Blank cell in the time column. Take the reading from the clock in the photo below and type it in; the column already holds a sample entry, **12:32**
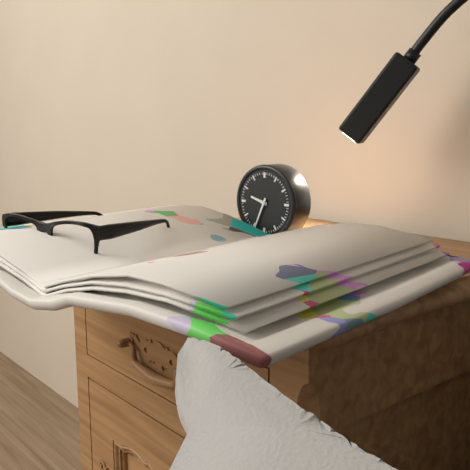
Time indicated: **9:34**
